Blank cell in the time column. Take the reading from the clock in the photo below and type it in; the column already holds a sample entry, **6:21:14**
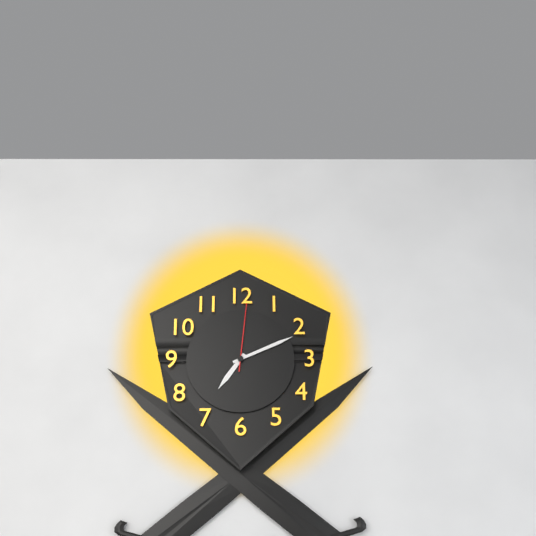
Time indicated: **7:11:01**
